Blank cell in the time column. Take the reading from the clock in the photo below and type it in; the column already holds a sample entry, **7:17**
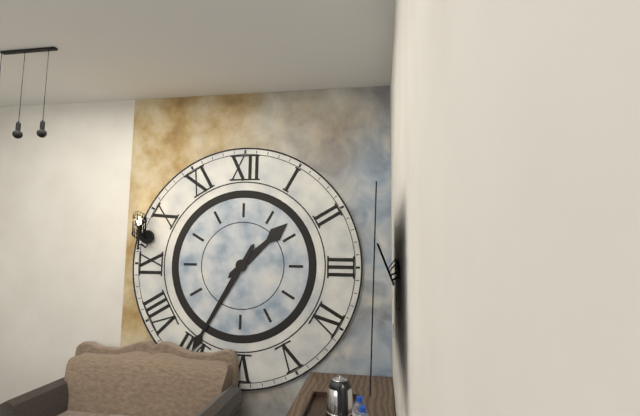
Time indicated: **1:35**
